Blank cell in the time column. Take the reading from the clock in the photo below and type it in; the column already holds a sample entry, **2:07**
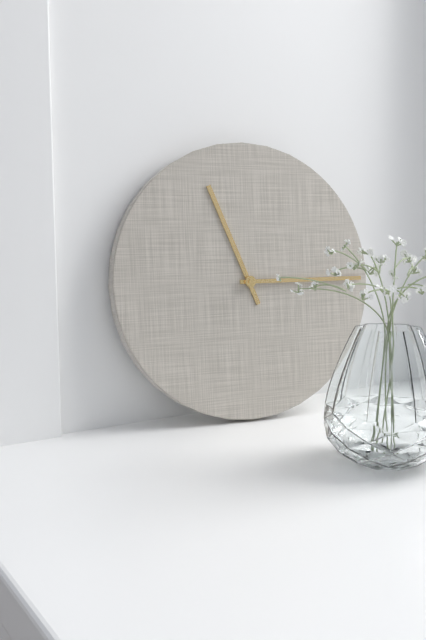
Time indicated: **11:15**
